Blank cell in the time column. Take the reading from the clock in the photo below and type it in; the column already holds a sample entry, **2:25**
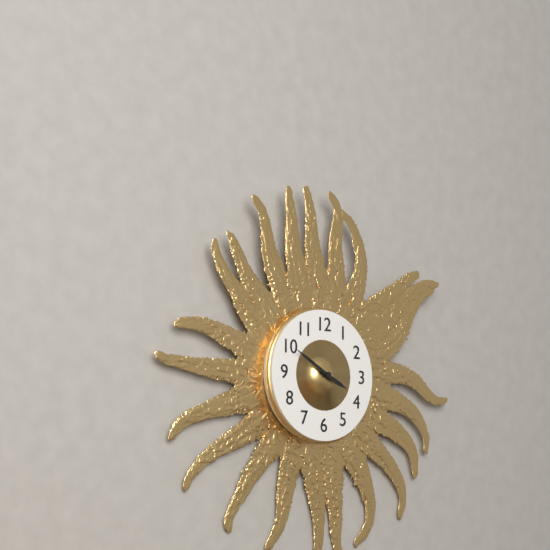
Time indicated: **3:50**
